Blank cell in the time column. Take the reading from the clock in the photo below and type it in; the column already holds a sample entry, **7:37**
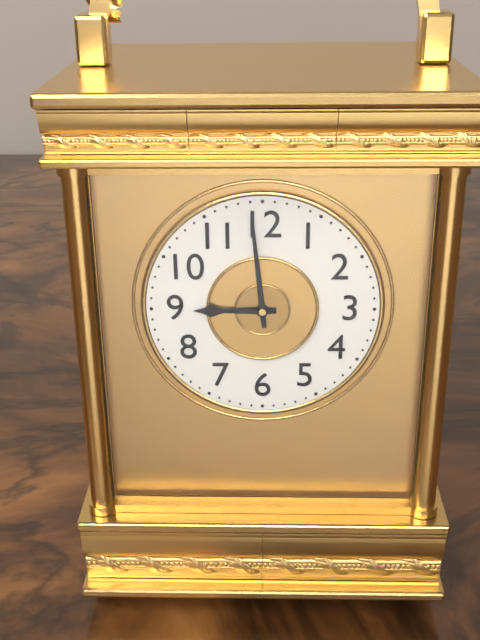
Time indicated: **8:59**
